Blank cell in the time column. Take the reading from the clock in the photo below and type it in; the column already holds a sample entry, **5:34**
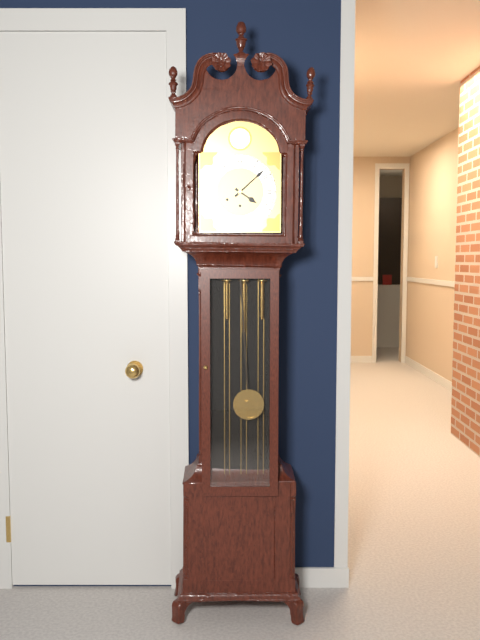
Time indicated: **4:08**
